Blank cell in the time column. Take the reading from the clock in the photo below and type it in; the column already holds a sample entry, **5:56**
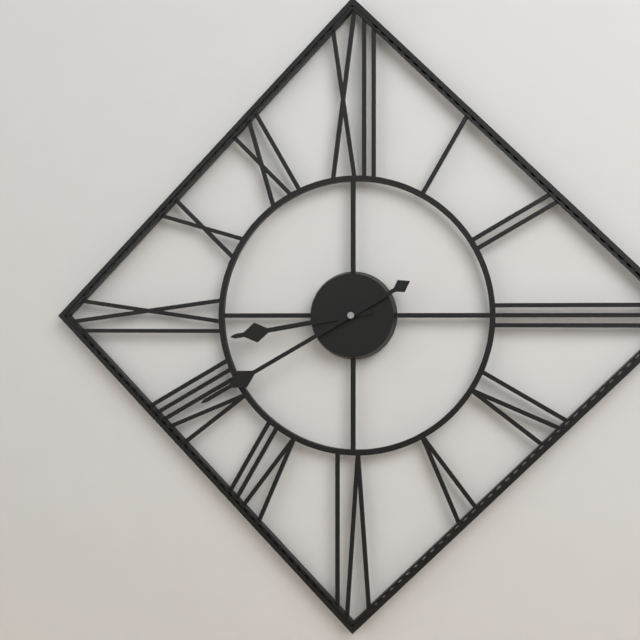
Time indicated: **8:40**
